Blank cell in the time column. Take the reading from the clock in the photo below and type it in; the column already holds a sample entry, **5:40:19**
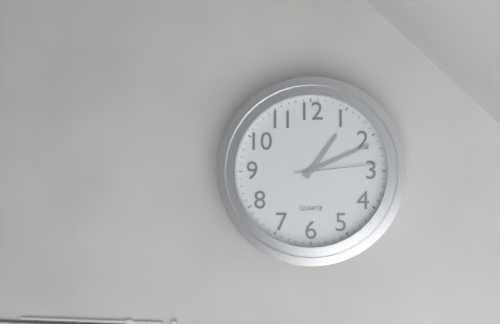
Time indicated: **1:11:14**
